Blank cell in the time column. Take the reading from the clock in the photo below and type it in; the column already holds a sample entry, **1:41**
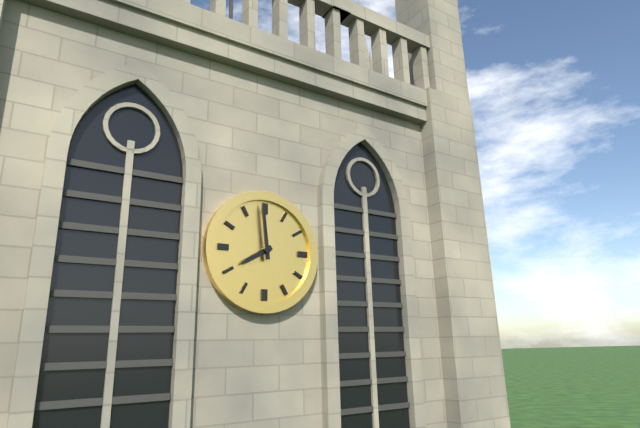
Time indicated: **7:59**
